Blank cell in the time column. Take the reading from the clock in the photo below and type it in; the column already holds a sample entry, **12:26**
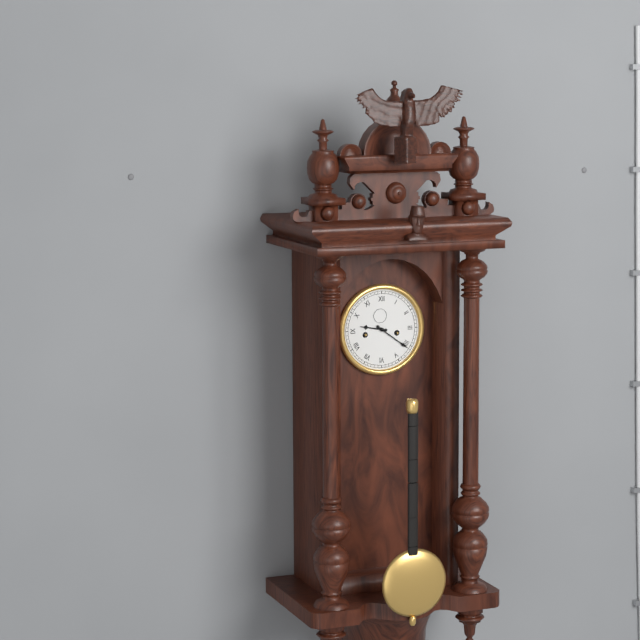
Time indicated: **9:21**
